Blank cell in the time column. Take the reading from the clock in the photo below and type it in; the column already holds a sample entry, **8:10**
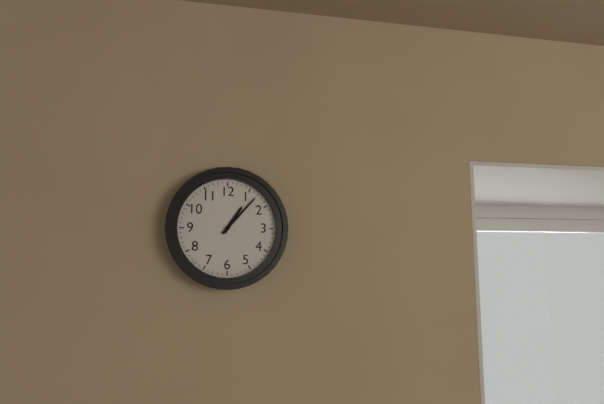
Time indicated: **1:07**
